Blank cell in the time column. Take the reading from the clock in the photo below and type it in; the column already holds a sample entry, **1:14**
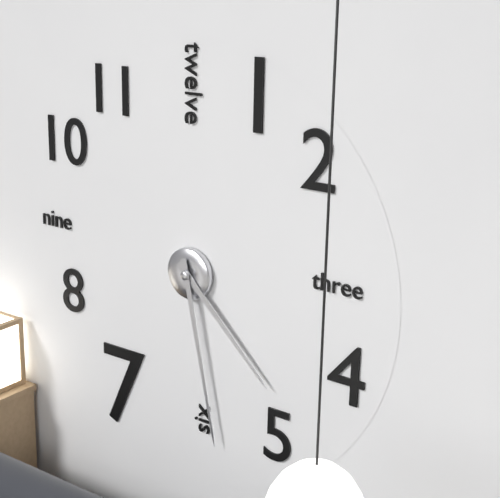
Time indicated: **4:28**
